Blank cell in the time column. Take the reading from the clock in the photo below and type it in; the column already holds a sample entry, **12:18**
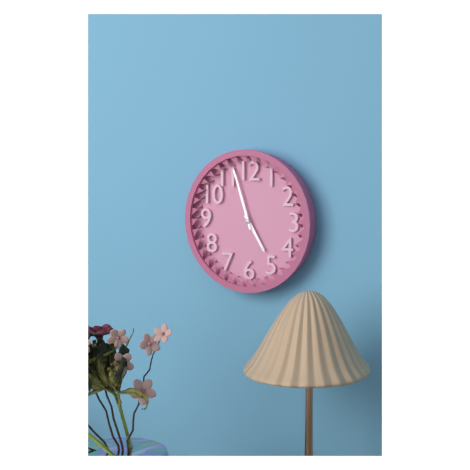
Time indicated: **4:57**
